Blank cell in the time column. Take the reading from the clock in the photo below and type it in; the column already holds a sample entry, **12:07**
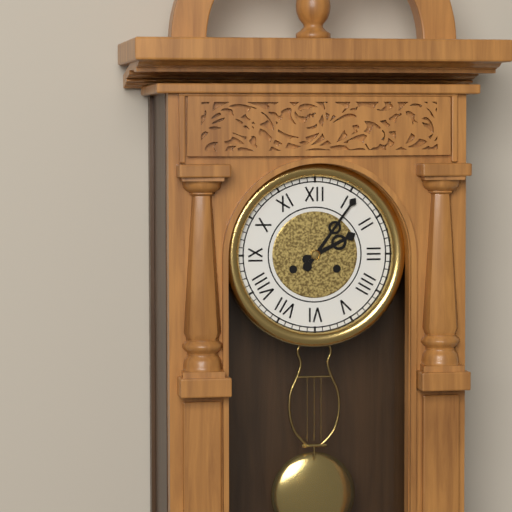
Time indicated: **2:06**
